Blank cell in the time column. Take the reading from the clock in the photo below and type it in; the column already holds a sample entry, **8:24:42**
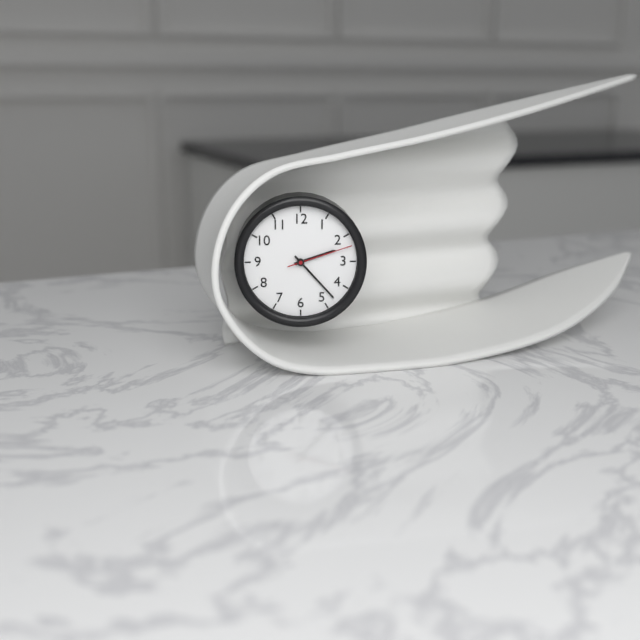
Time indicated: **2:23:12**
